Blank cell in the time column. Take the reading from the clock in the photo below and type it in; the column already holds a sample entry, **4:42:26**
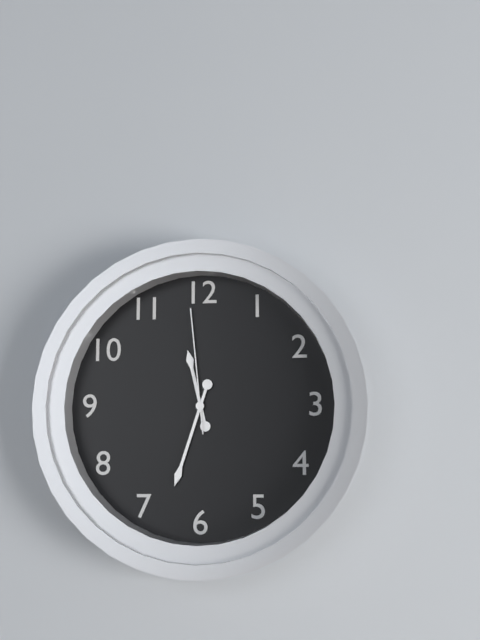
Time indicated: **11:33:59**
